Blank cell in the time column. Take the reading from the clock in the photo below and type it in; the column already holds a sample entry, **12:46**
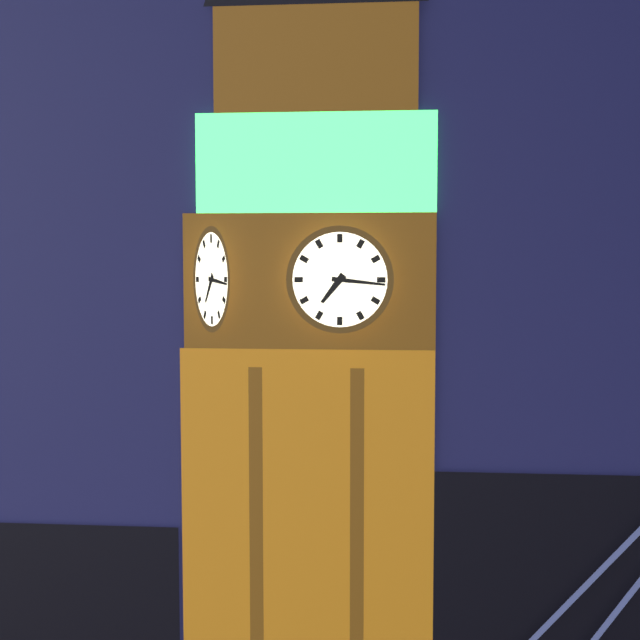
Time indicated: **7:16**
